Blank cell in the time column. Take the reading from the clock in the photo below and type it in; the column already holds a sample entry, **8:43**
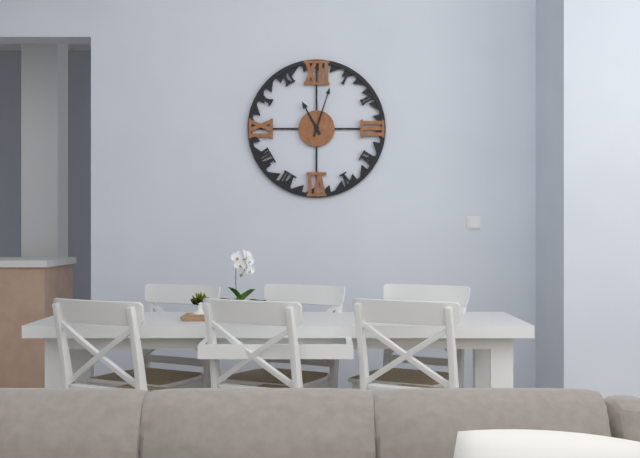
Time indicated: **11:03**
